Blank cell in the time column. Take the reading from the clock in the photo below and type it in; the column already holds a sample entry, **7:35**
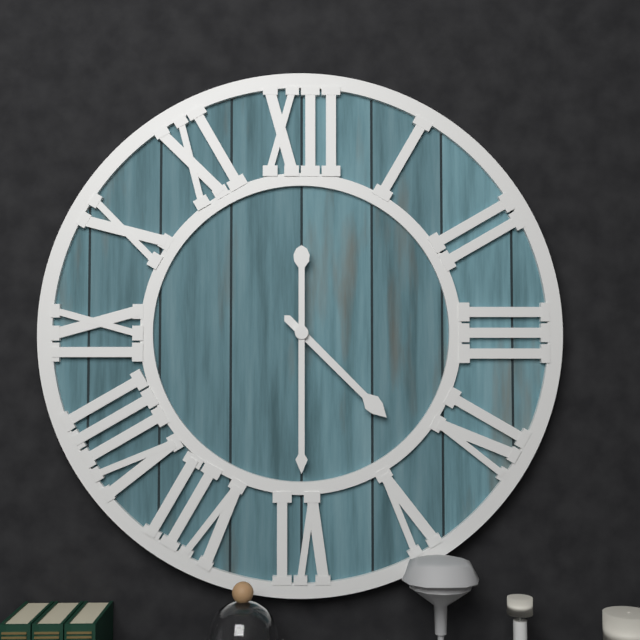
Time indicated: **4:30**
